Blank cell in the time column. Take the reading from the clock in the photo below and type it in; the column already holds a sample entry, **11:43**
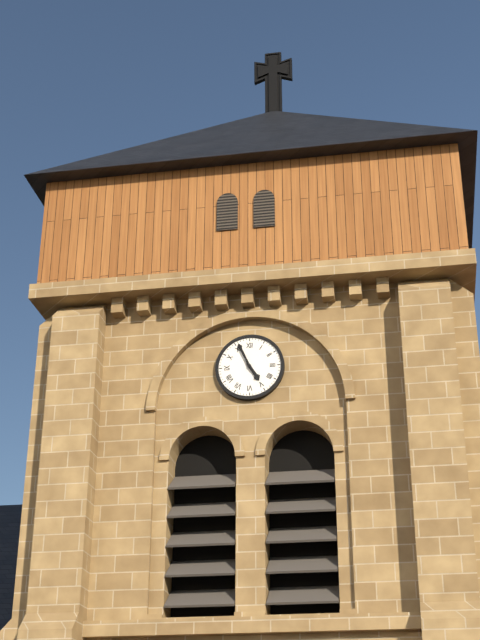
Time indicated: **4:56**
